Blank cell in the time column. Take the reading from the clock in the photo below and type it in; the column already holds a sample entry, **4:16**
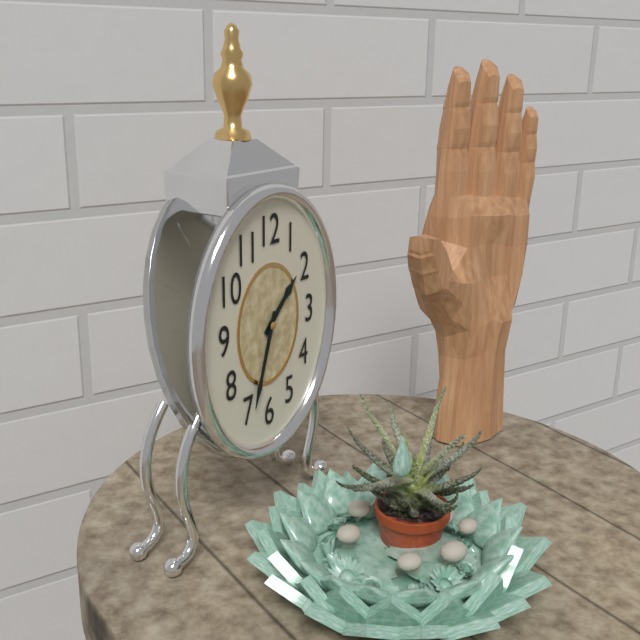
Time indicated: **1:33**
